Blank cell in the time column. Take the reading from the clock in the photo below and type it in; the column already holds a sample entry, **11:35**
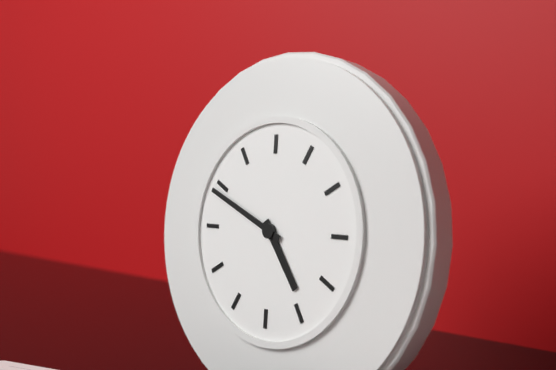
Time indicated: **4:49**
